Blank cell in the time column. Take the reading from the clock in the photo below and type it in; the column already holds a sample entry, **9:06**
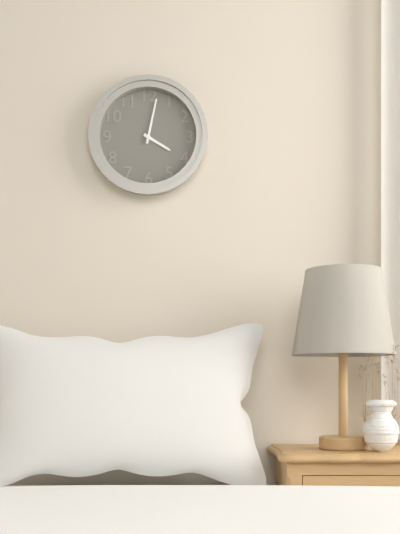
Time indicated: **4:02**
